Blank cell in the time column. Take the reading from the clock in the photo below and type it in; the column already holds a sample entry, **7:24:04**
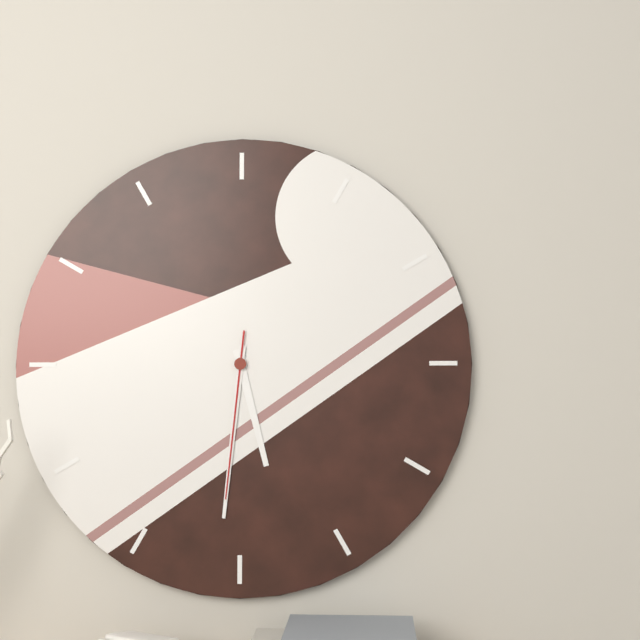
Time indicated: **5:31:31**
